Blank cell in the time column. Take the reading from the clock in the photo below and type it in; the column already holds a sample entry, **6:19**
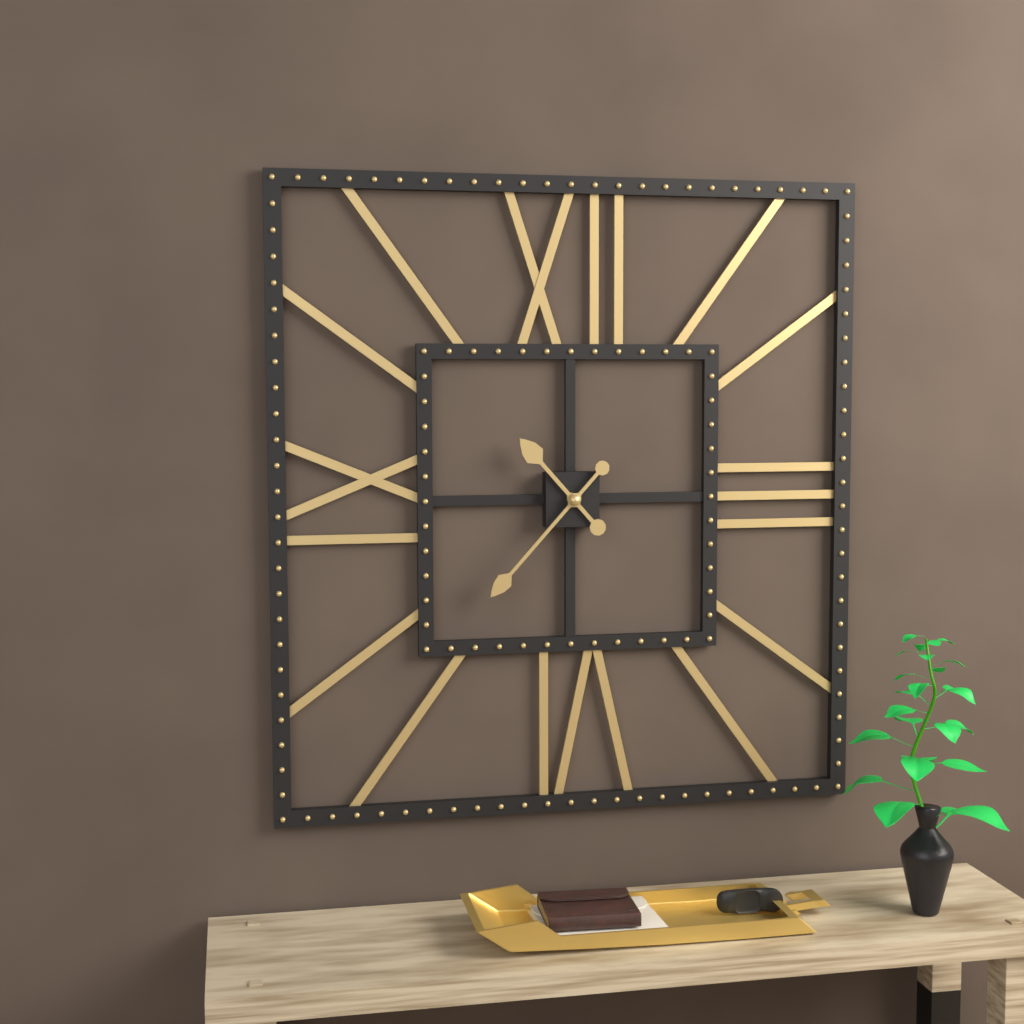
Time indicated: **10:37**
